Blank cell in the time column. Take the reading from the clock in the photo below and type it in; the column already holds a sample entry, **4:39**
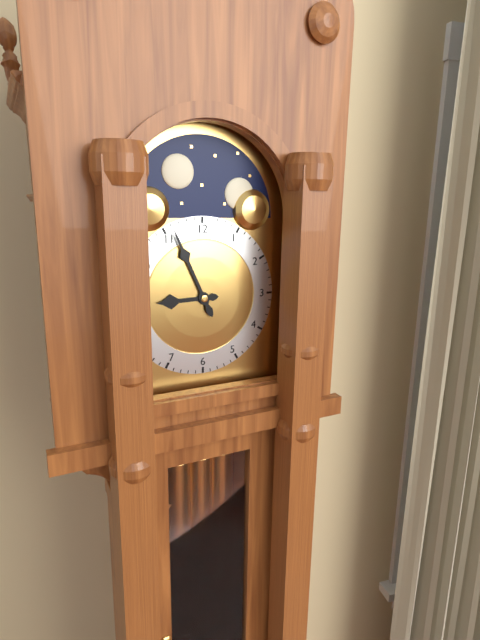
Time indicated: **8:56**
